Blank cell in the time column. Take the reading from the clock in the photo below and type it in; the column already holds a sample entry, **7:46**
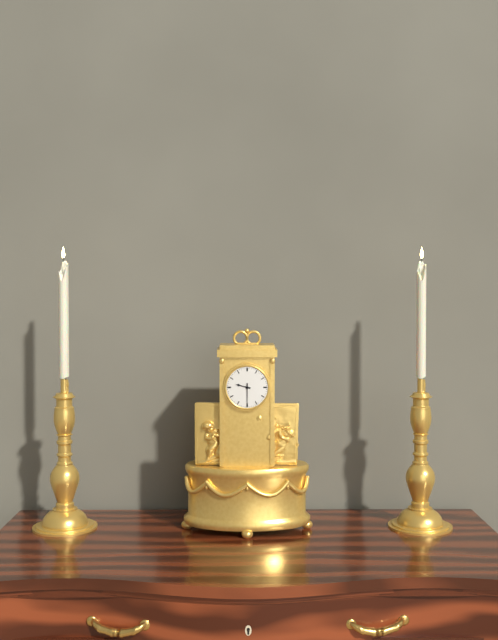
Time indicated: **9:30**
